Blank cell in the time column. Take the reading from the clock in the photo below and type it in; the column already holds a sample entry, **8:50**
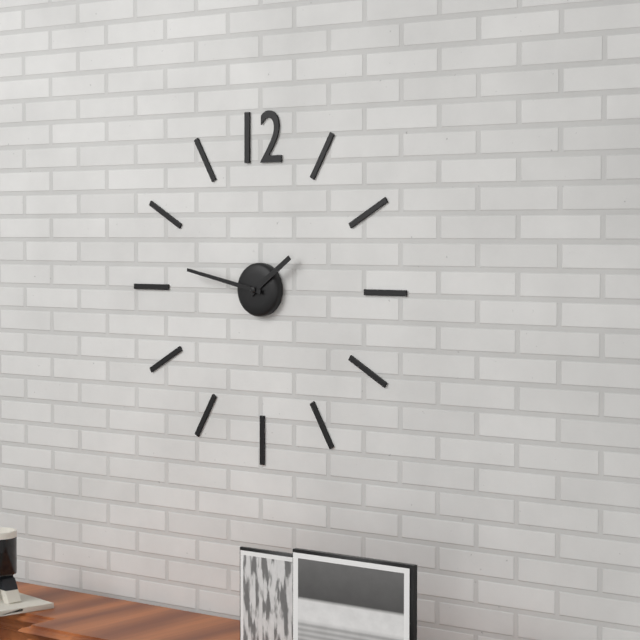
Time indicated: **1:47**
